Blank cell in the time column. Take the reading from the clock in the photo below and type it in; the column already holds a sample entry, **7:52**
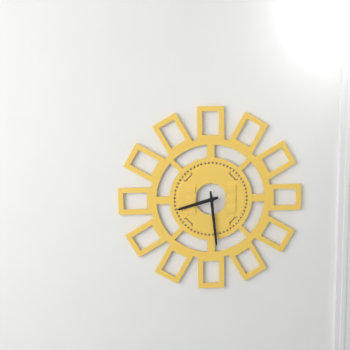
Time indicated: **8:29**
